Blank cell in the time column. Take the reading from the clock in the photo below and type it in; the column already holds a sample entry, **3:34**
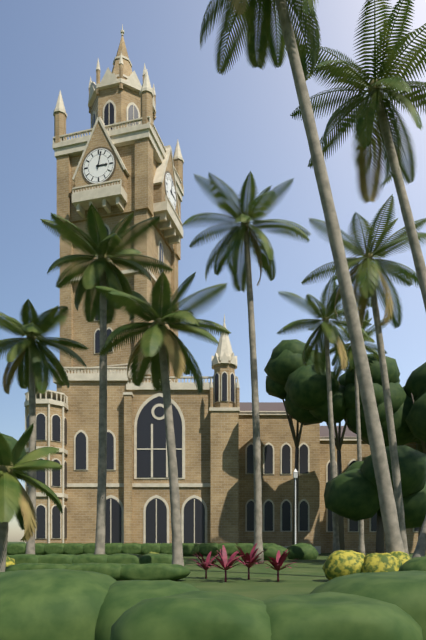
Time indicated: **3:02**
